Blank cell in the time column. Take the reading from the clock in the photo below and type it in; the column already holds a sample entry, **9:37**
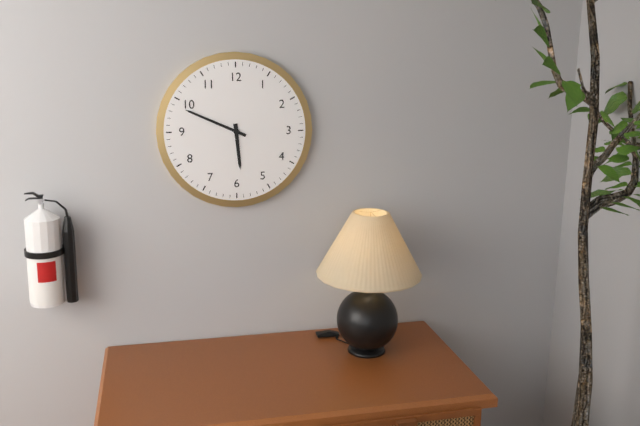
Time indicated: **5:49**
